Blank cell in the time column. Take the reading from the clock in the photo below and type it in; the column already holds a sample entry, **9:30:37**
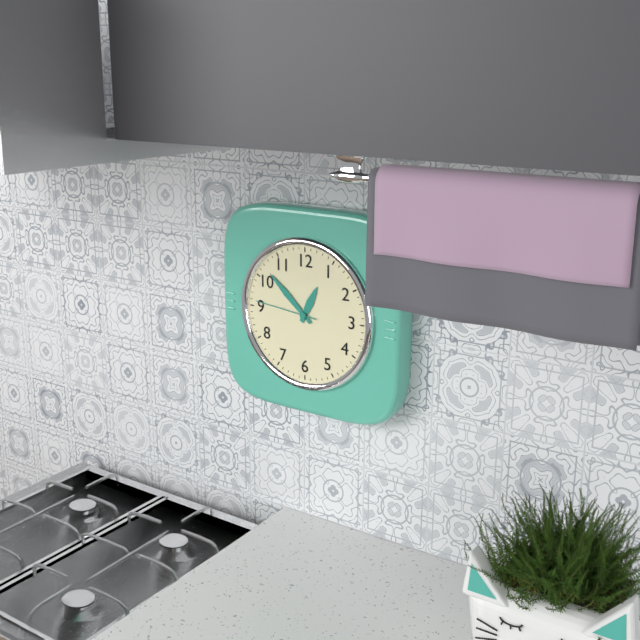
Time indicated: **12:52:46**
